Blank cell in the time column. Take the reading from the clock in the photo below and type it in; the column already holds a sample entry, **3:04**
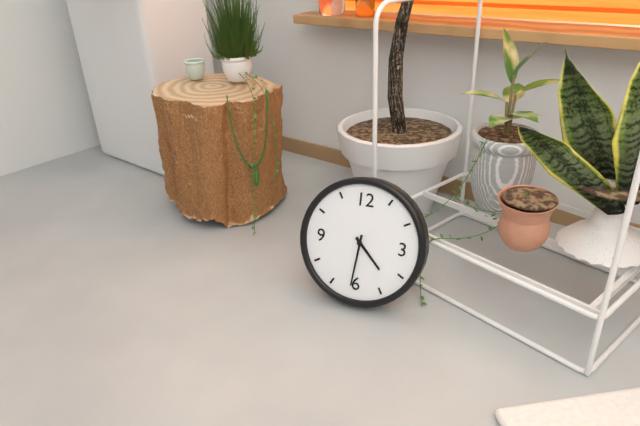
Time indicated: **4:31**
